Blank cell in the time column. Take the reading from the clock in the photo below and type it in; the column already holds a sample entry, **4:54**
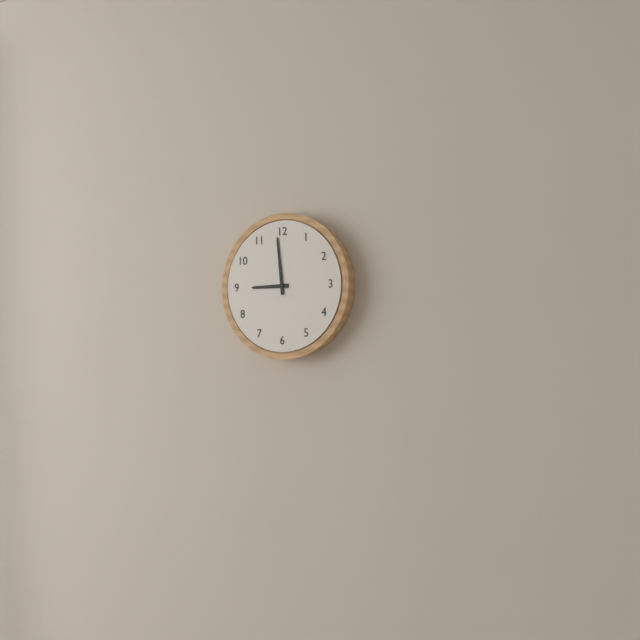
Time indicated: **8:59**
